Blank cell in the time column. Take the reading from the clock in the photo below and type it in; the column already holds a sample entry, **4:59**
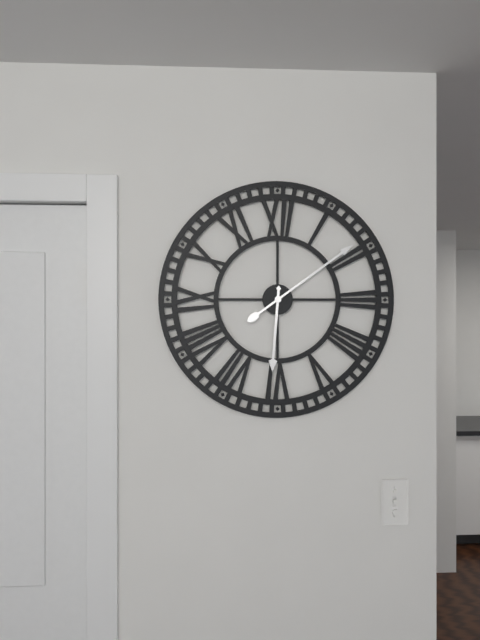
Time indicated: **6:09**
